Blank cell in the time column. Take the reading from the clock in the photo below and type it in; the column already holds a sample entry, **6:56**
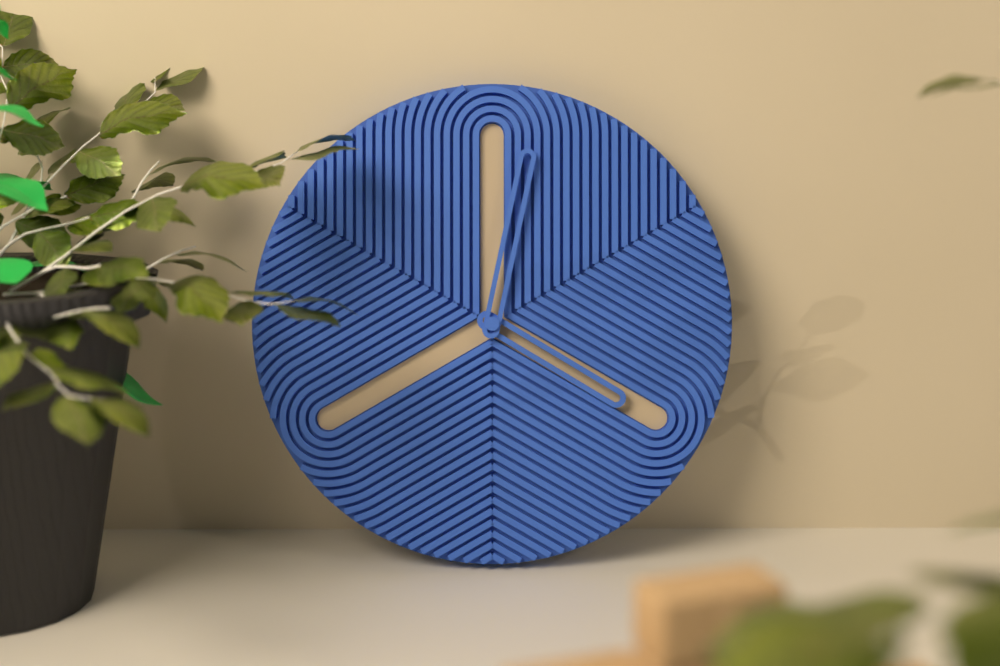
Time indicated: **4:02**
